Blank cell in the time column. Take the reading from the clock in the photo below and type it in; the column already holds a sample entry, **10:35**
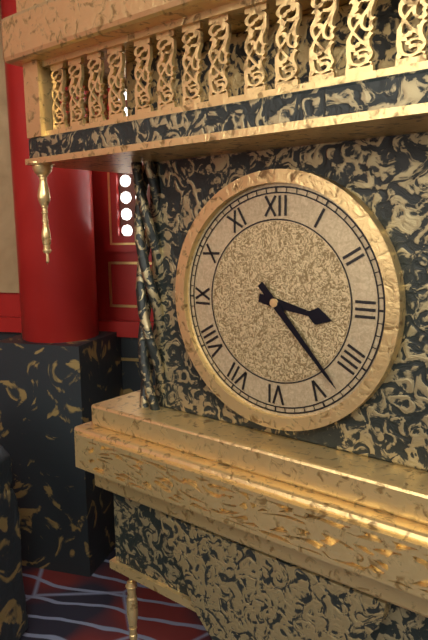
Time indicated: **3:23**
